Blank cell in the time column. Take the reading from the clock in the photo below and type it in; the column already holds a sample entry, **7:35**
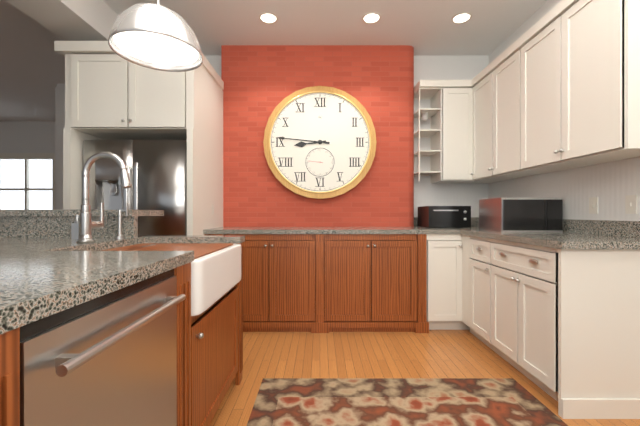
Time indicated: **8:46**
